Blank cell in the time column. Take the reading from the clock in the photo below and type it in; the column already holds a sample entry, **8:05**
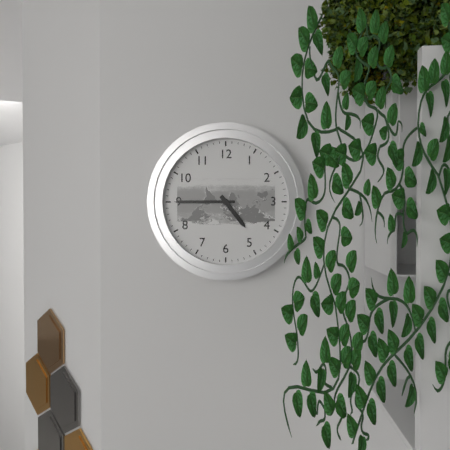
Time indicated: **4:45**
